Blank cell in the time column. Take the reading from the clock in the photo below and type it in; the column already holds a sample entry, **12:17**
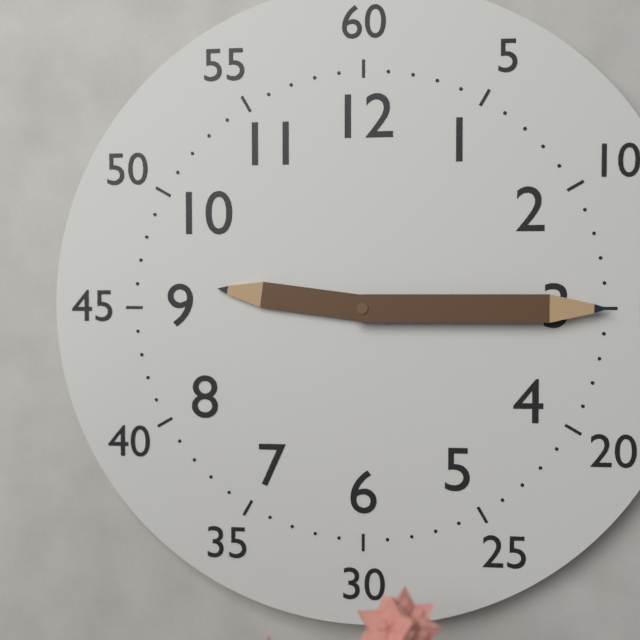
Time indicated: **9:15**
